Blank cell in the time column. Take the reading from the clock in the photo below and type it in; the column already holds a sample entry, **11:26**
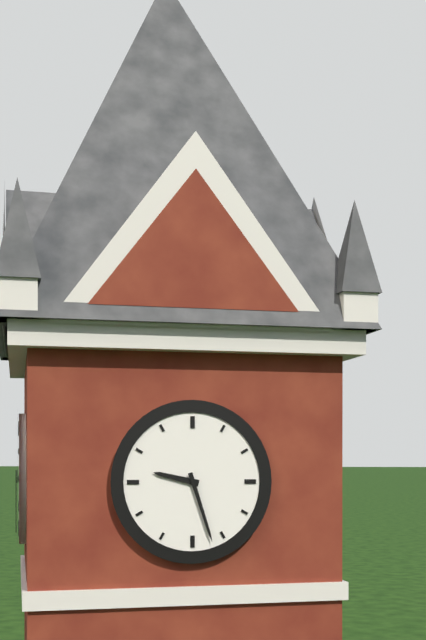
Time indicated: **9:27**
